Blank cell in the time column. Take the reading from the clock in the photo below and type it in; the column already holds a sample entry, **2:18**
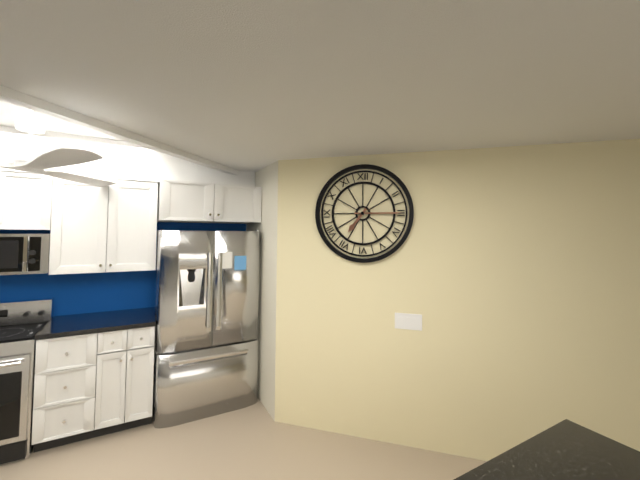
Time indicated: **7:15**
